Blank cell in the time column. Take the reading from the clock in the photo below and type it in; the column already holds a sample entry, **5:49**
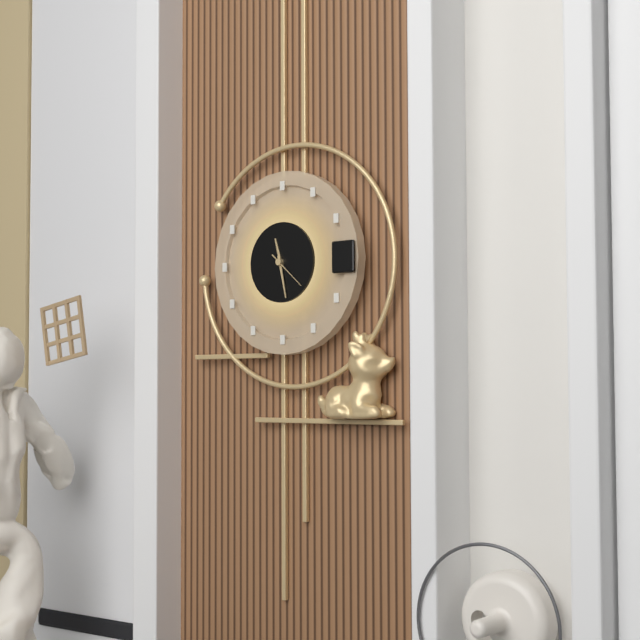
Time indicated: **11:28**
